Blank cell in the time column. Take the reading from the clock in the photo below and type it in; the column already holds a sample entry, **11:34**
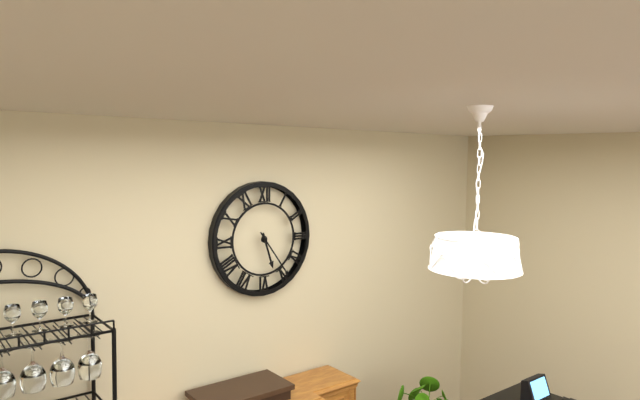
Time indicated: **5:24**
